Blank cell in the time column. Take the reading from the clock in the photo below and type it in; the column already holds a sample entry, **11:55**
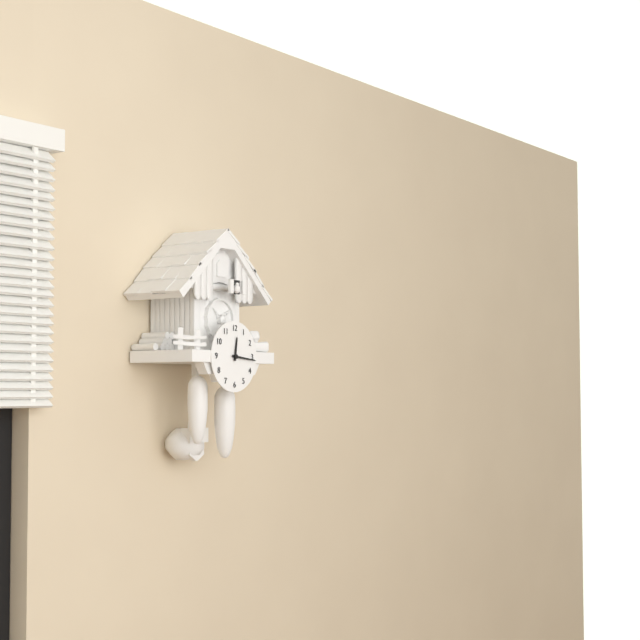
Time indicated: **12:16**
